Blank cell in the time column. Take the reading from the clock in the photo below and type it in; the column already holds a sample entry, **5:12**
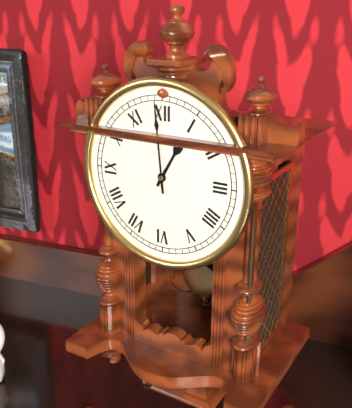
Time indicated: **12:59**
